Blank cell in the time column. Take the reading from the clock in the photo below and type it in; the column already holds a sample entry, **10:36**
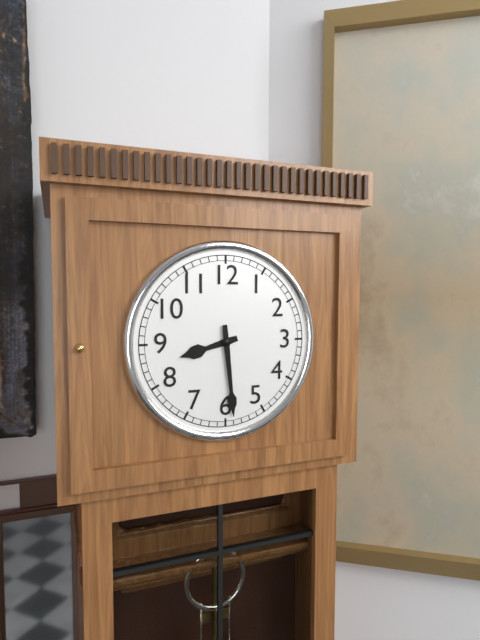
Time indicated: **8:29**
